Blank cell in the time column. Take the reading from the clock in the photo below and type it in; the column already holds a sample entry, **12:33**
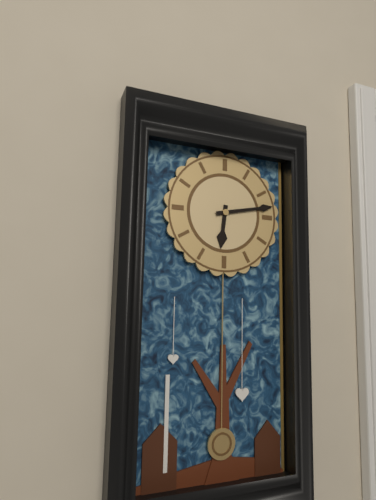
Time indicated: **6:13**
